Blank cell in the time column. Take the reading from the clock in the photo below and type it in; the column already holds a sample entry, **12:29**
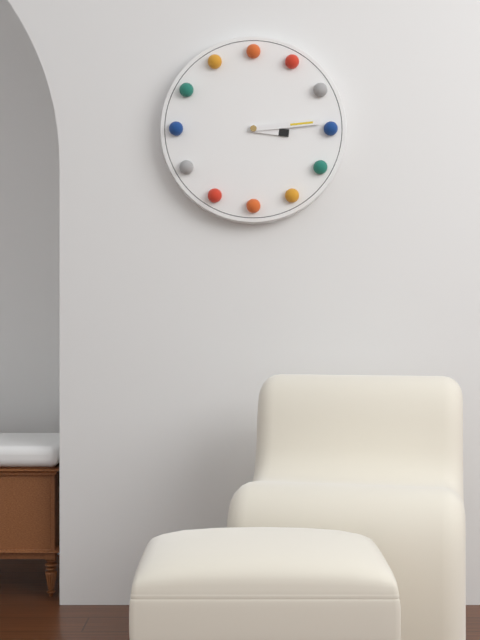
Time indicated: **3:14**
